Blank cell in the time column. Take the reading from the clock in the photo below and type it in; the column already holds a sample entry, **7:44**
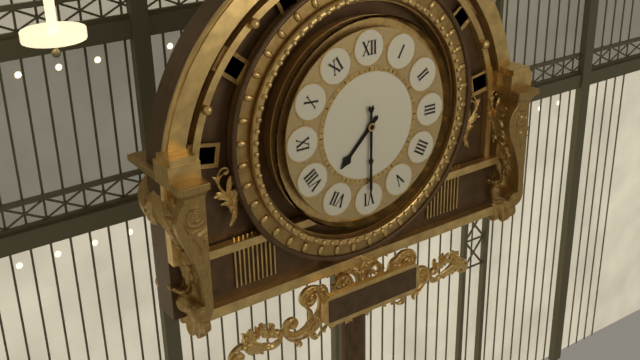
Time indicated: **7:30**
